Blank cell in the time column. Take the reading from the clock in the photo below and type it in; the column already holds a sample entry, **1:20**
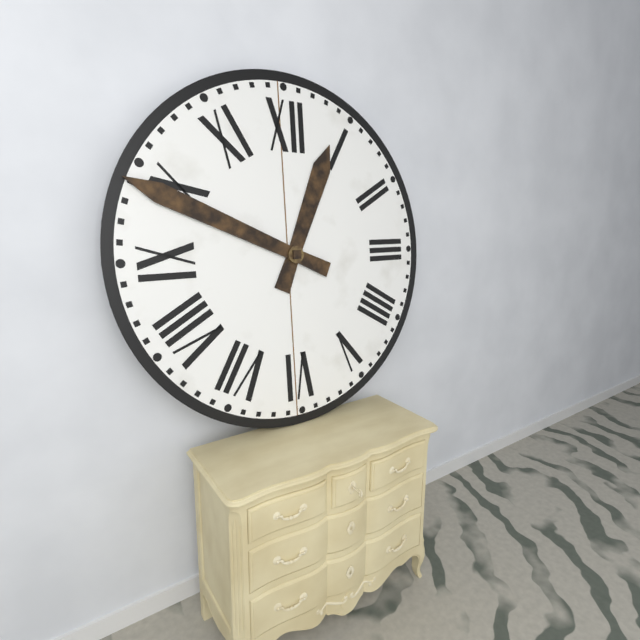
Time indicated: **12:49**
